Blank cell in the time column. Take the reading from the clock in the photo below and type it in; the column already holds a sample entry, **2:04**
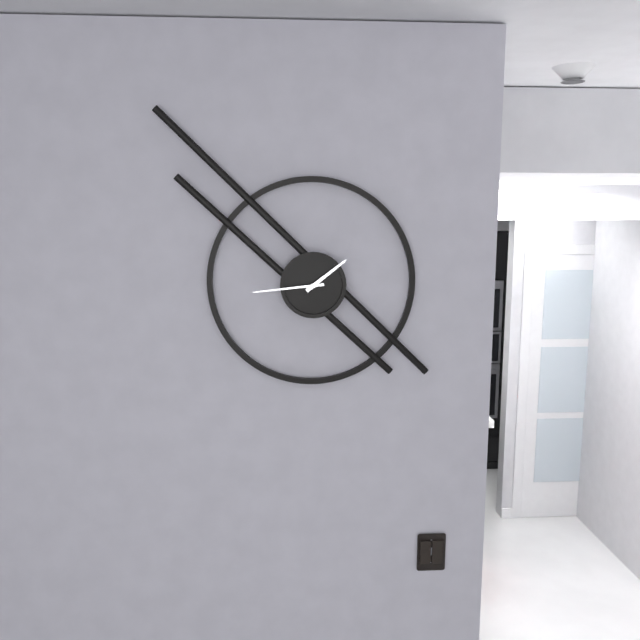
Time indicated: **1:44**
